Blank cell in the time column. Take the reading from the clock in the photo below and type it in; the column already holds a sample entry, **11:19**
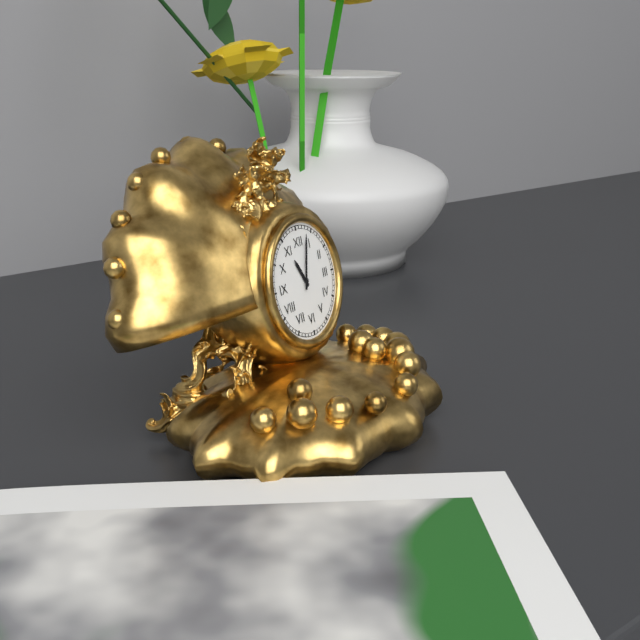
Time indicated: **11:03**
